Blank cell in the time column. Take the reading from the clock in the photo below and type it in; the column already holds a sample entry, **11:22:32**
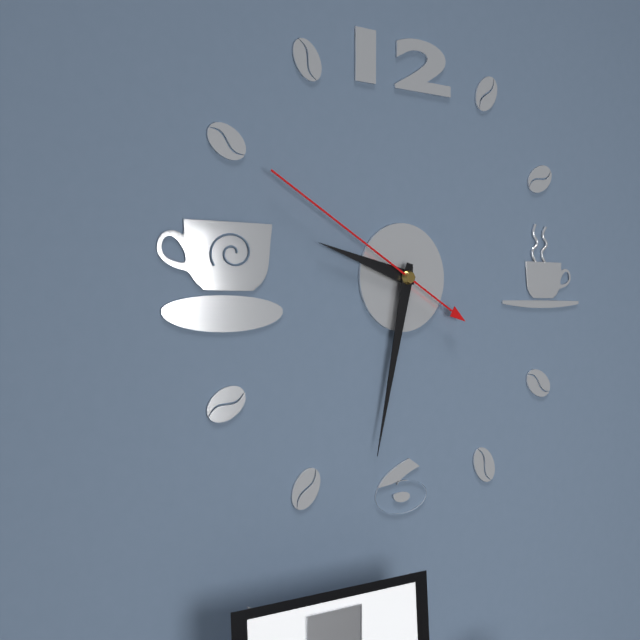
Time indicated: **9:32:50**
